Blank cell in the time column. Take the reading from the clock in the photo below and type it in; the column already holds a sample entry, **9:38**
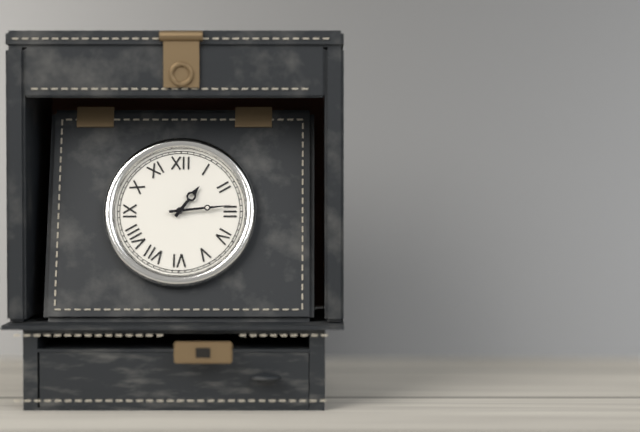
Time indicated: **1:14**
